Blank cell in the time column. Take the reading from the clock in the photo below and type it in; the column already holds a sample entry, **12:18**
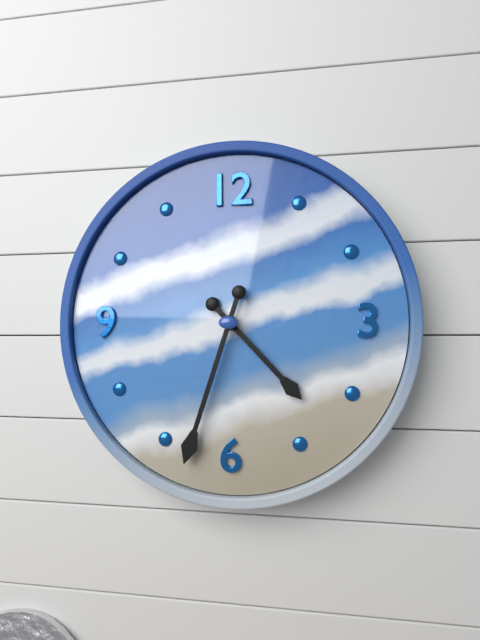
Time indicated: **4:33**
